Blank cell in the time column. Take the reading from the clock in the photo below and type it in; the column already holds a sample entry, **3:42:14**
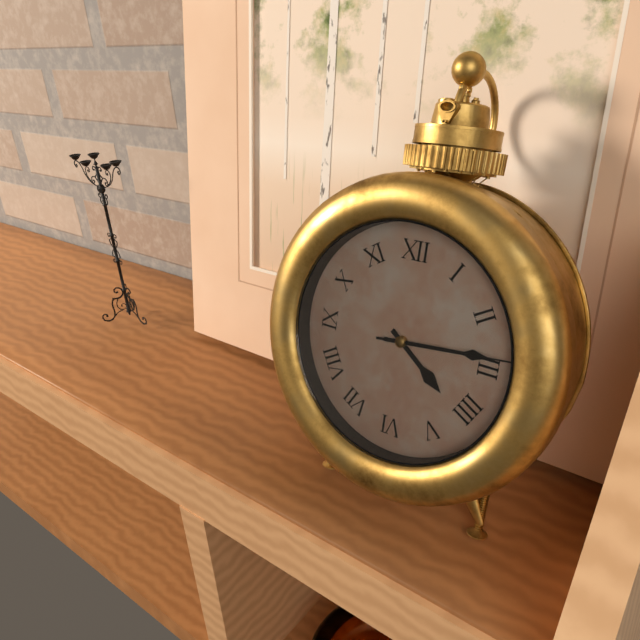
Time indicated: **4:14:14**
